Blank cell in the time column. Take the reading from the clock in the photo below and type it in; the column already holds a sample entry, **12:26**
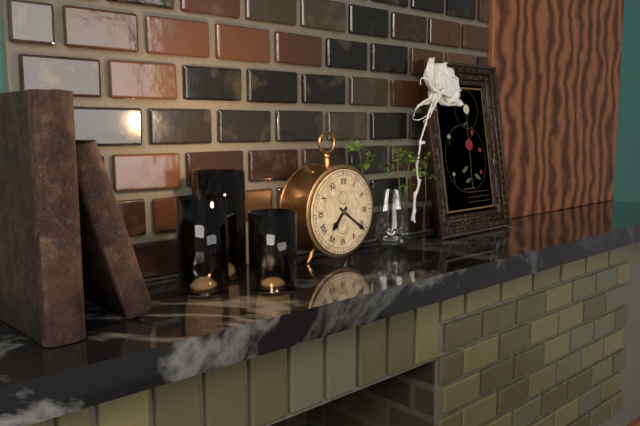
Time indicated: **7:21**
